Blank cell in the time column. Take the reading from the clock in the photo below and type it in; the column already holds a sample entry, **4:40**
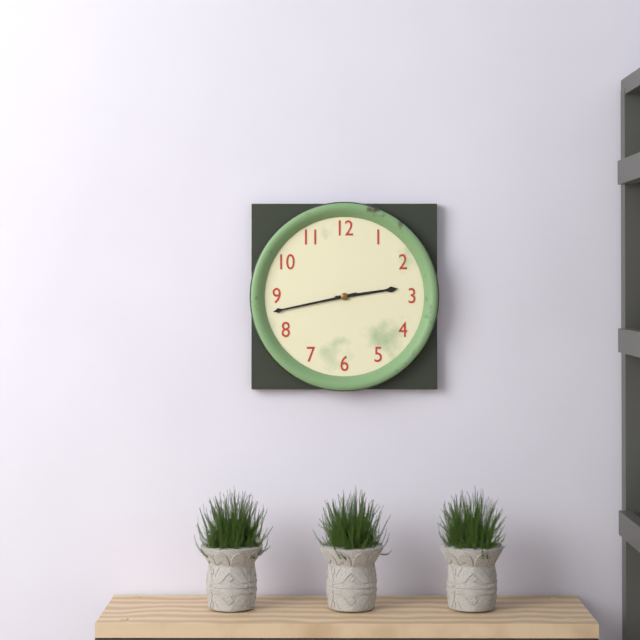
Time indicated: **2:43**
